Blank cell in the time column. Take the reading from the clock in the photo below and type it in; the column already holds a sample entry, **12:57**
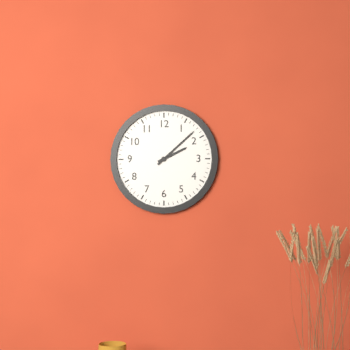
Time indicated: **2:08**
